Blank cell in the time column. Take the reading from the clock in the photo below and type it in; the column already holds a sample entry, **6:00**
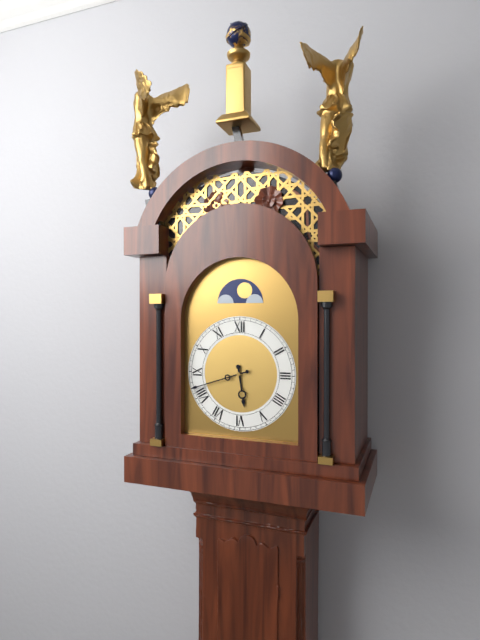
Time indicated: **5:42**
